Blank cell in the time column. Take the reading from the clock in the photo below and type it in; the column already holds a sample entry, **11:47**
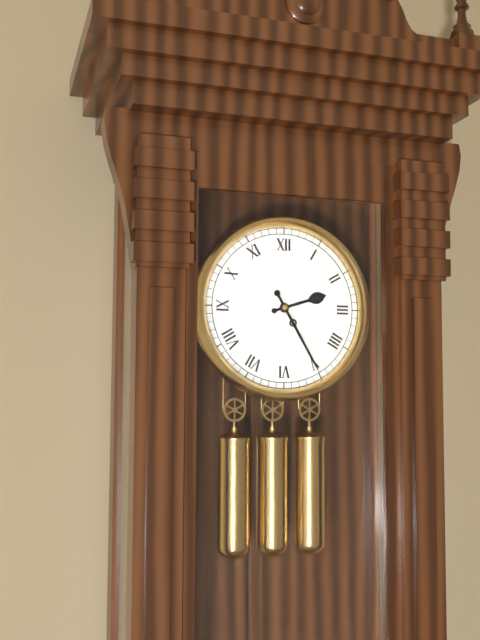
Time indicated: **2:25**
